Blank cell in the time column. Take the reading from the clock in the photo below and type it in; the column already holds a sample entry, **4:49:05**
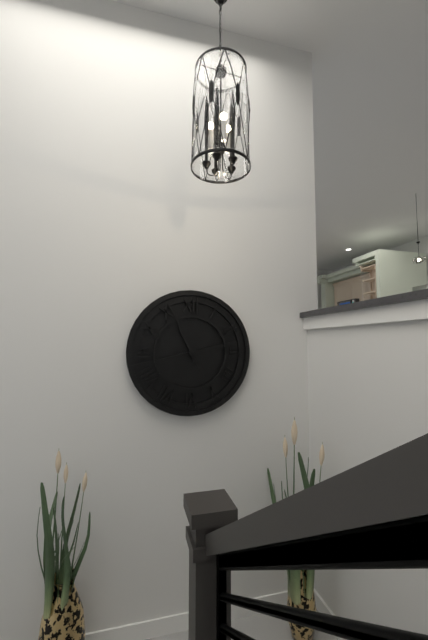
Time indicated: **11:13:43**
